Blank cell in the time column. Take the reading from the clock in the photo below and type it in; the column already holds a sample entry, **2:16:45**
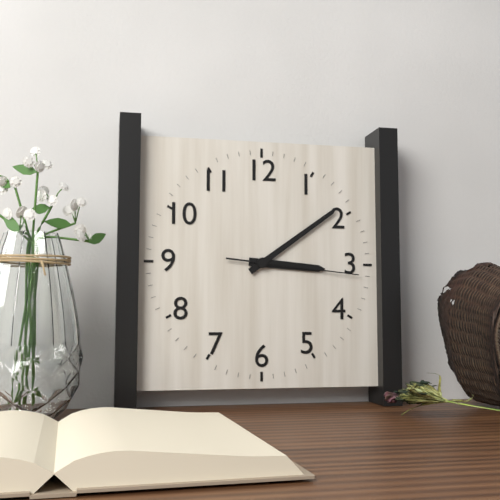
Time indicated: **3:09:16**
